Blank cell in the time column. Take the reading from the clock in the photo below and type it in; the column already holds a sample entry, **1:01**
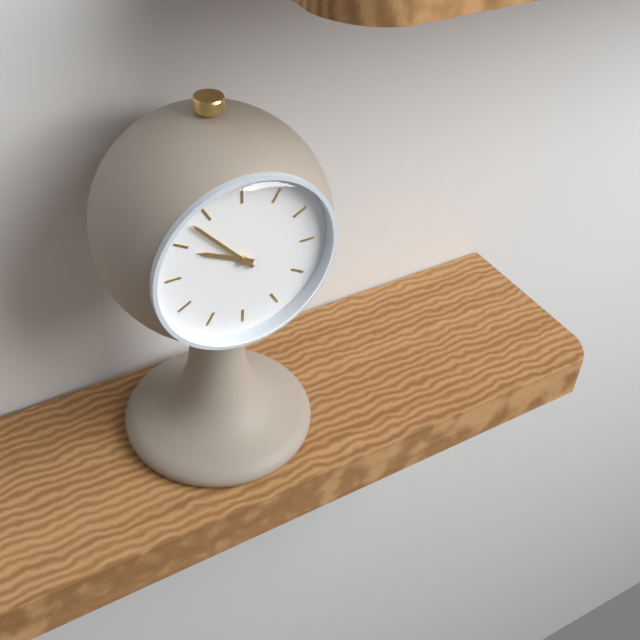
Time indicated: **9:53**
